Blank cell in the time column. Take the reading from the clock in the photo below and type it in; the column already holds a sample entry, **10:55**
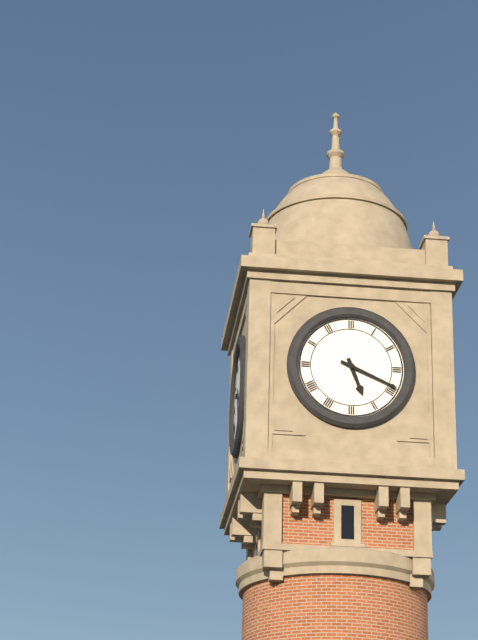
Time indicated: **5:19**
